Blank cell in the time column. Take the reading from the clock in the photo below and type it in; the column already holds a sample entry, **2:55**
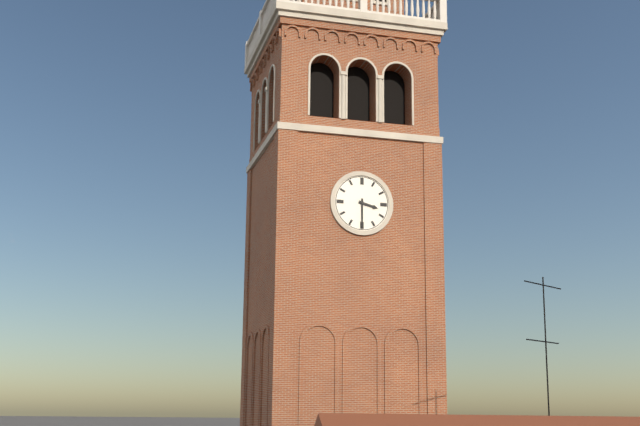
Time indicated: **3:30**
